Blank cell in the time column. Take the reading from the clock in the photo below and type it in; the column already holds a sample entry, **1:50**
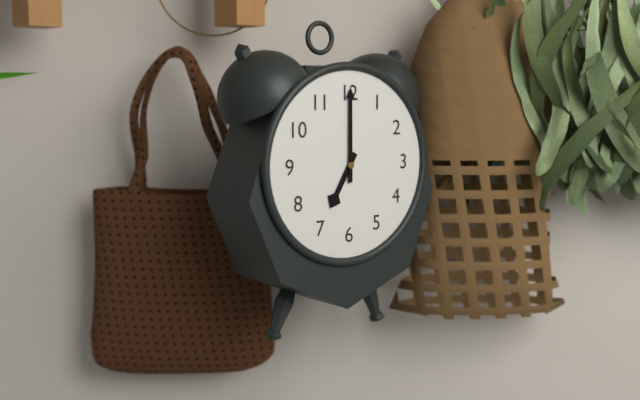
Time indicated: **7:00**
